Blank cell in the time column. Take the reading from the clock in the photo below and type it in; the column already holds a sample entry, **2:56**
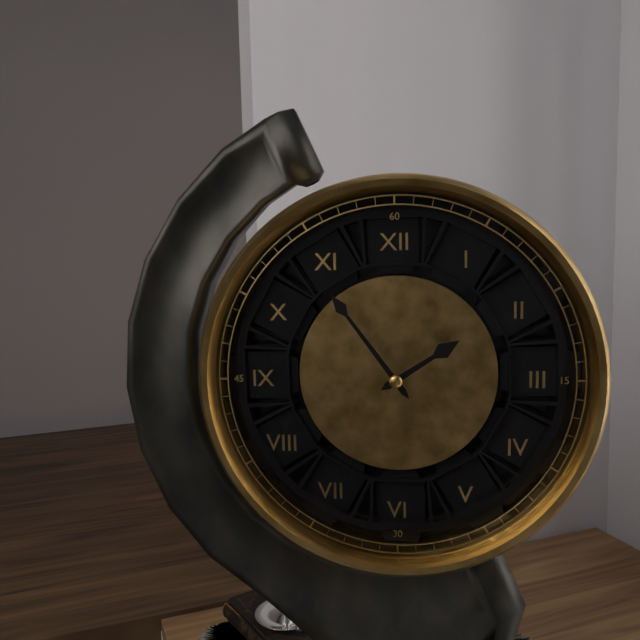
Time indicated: **1:54**
